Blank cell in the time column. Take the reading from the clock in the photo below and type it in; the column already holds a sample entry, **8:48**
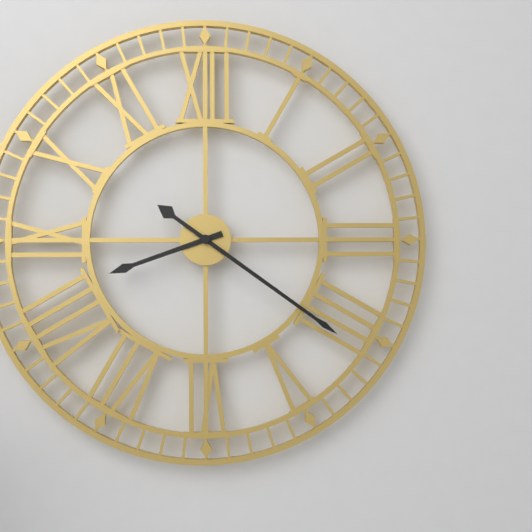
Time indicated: **8:21**
